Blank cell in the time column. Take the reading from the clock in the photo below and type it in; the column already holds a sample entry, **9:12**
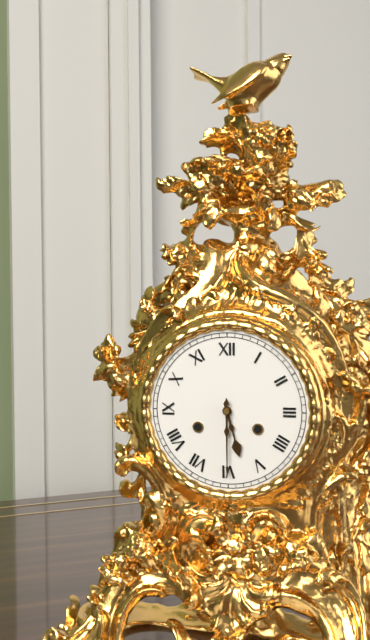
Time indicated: **5:30**
